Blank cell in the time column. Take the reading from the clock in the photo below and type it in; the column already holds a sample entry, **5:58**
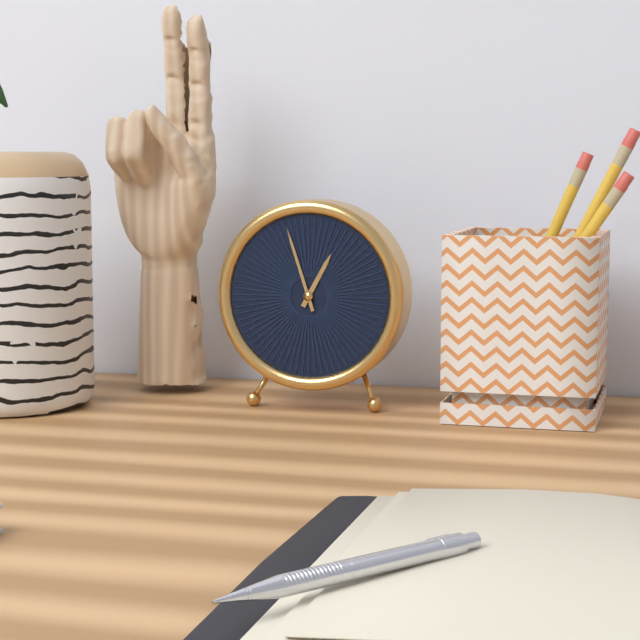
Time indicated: **12:57**
